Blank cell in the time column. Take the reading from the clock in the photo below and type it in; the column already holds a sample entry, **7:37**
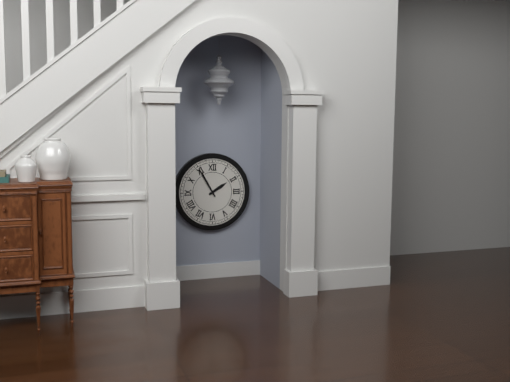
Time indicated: **1:55**
